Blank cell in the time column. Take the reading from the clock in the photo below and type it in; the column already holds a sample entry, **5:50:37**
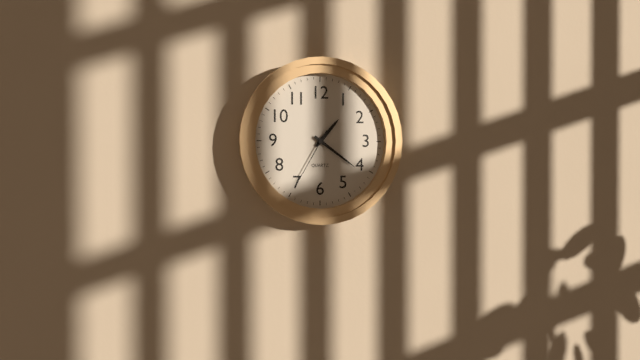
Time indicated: **1:21:35**
